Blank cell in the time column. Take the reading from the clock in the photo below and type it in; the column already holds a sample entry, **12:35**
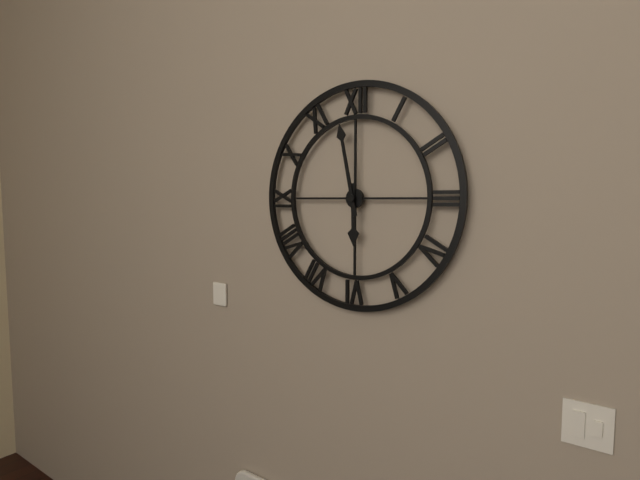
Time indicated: **5:58**
